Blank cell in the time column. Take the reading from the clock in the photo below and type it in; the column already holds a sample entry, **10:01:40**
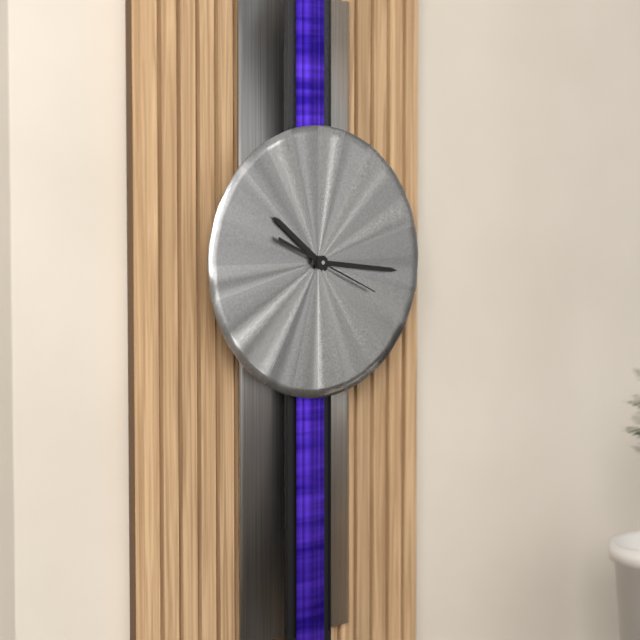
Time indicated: **10:16:19**
